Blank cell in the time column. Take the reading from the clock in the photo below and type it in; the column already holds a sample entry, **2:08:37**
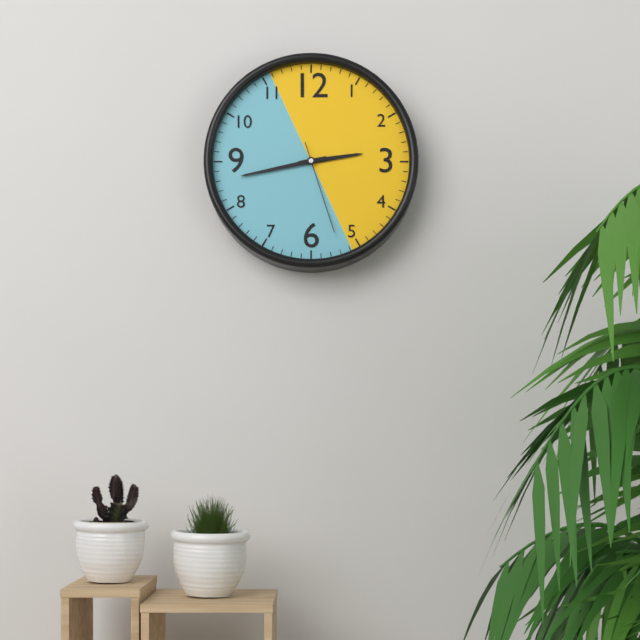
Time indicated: **2:43:27**
